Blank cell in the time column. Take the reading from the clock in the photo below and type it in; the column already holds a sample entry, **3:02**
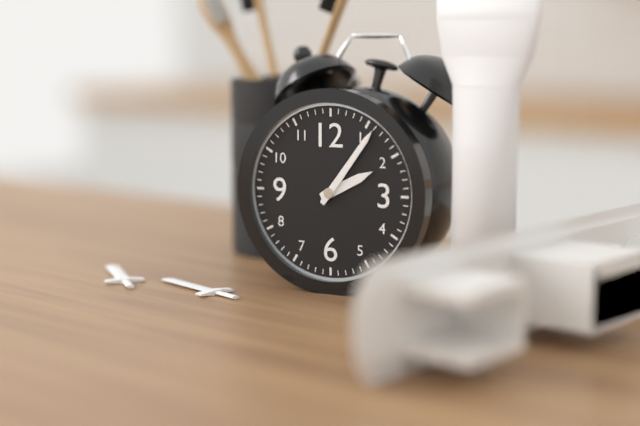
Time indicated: **2:06**
